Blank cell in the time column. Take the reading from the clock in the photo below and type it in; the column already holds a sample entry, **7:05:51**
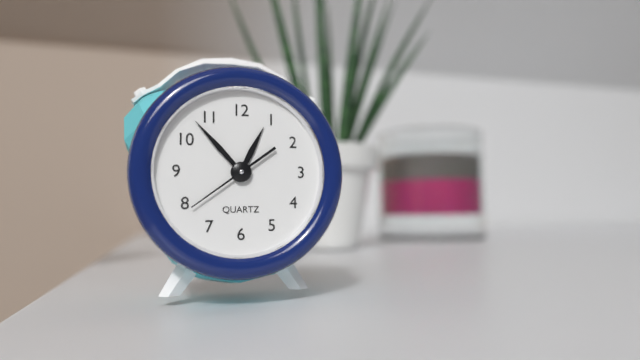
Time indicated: **12:53:39**
